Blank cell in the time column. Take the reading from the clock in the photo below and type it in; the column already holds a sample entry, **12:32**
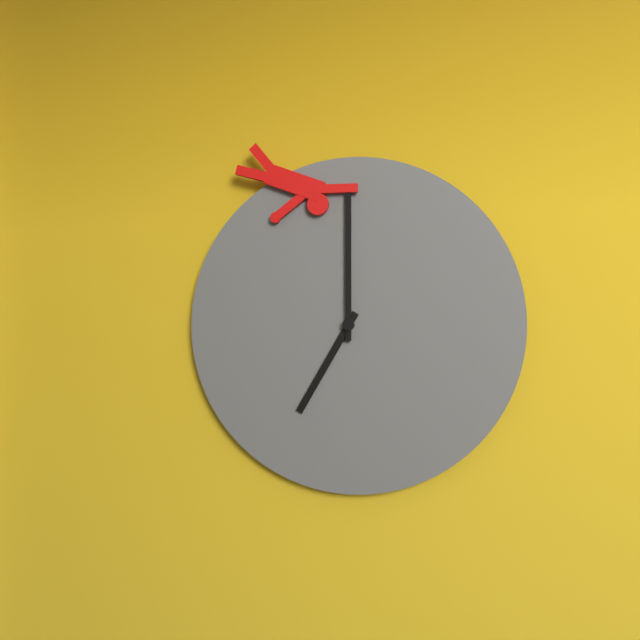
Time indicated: **7:00**
